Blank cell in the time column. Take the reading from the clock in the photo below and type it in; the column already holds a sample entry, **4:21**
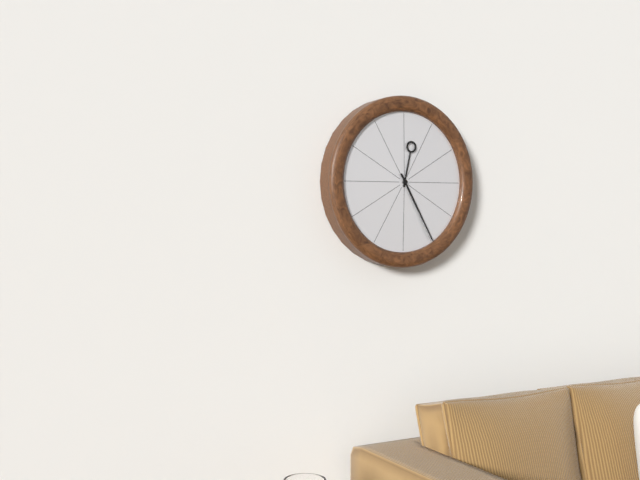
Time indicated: **12:25**
